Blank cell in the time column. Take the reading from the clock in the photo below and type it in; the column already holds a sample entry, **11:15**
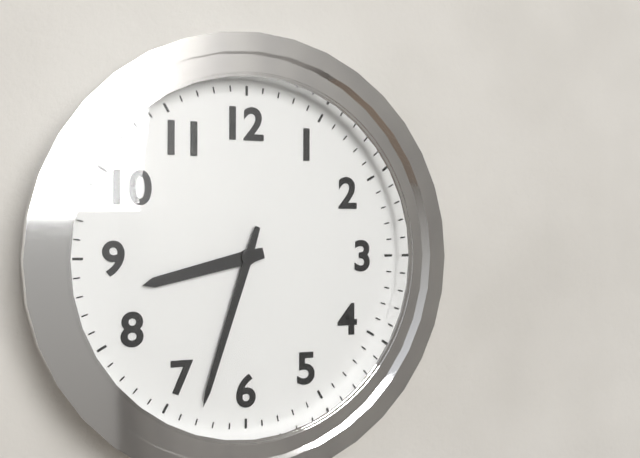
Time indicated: **8:33**
